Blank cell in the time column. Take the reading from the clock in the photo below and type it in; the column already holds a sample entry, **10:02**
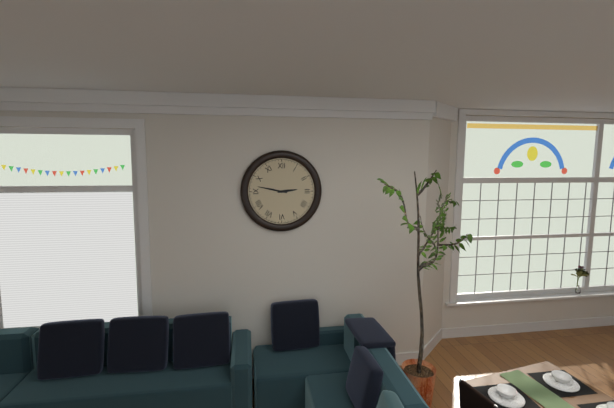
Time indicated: **2:47**
